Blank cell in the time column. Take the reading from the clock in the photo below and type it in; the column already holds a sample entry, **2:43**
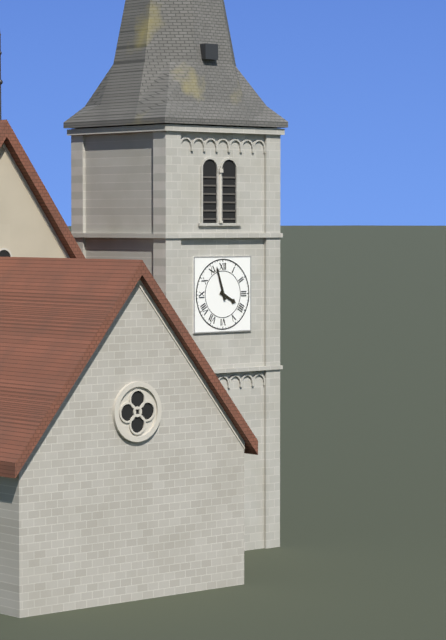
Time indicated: **3:57**
